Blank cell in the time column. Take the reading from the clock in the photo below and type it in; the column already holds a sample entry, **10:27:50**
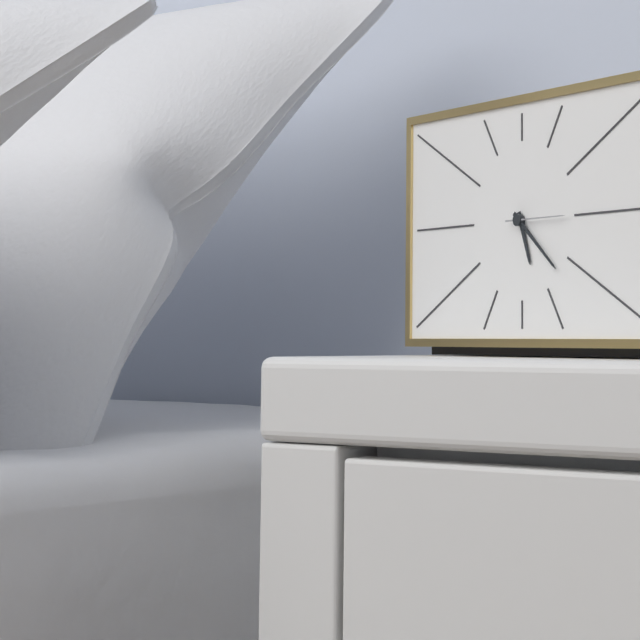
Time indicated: **5:22:15**
